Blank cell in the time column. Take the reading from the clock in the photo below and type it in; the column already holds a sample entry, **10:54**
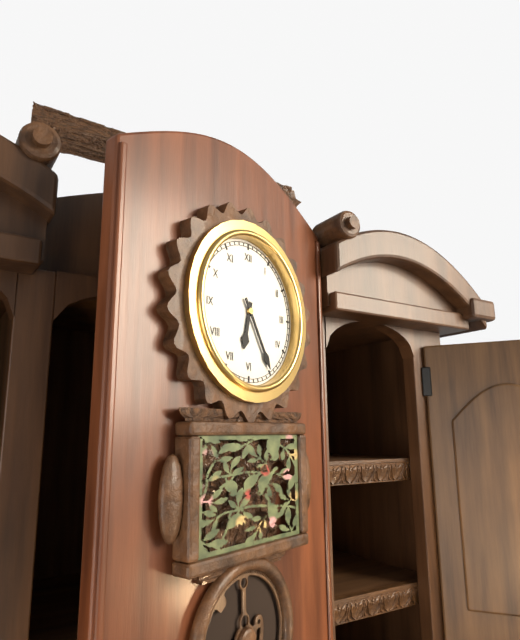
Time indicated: **6:25**
